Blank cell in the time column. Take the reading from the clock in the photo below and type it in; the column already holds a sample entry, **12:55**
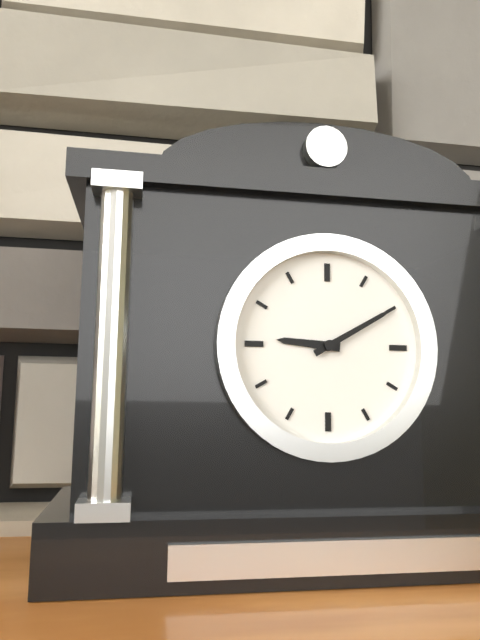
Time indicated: **9:10**
